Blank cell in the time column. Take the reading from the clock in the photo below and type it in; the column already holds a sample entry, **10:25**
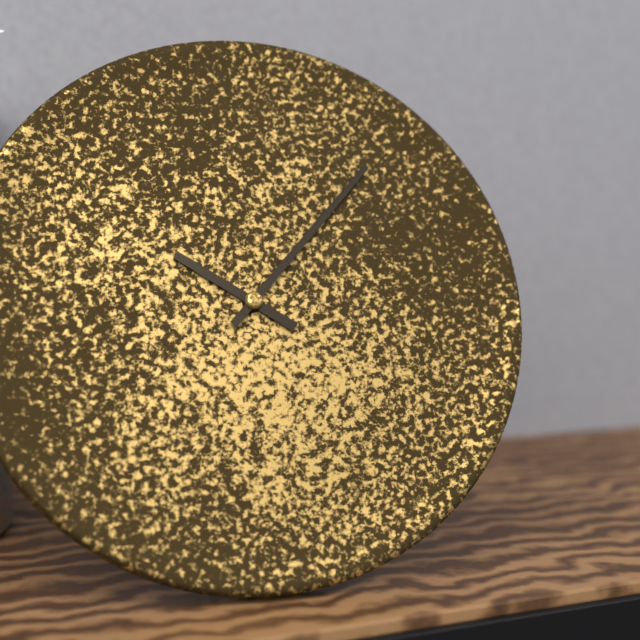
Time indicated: **10:07**
